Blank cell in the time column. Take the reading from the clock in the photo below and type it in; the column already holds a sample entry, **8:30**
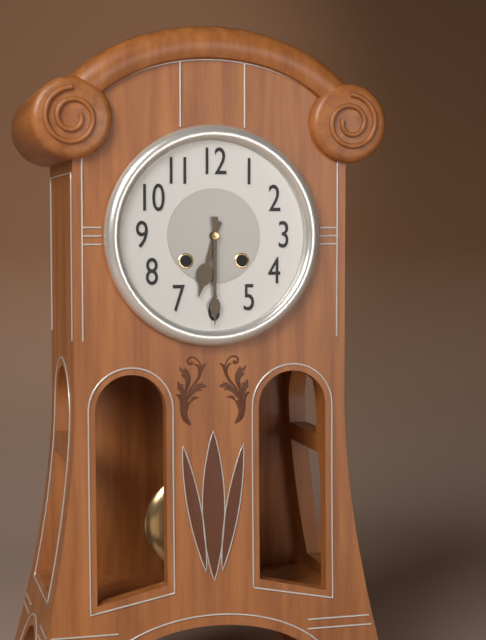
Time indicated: **6:30**
